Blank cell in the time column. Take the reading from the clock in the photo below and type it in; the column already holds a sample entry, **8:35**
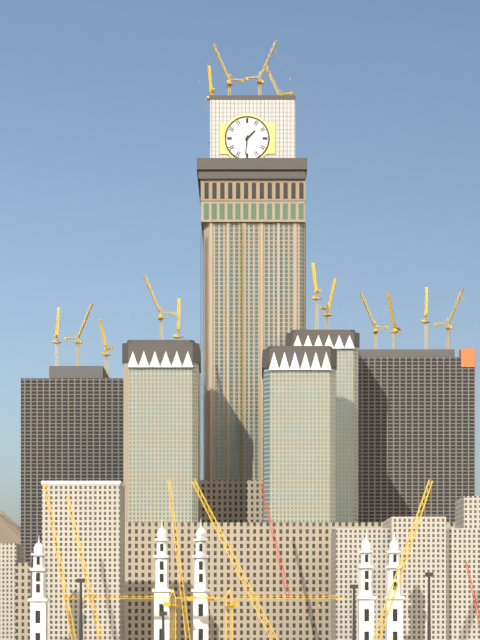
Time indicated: **1:31**
